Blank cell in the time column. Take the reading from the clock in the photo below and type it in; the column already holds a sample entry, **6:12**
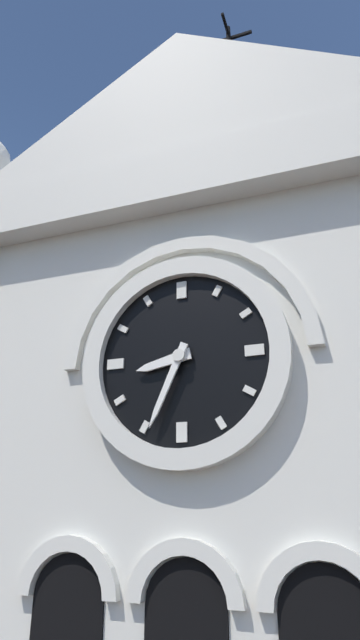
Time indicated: **8:34**
